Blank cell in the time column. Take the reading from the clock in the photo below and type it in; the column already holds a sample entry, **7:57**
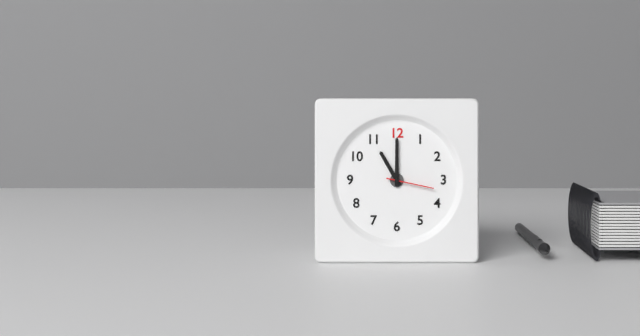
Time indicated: **11:00**
